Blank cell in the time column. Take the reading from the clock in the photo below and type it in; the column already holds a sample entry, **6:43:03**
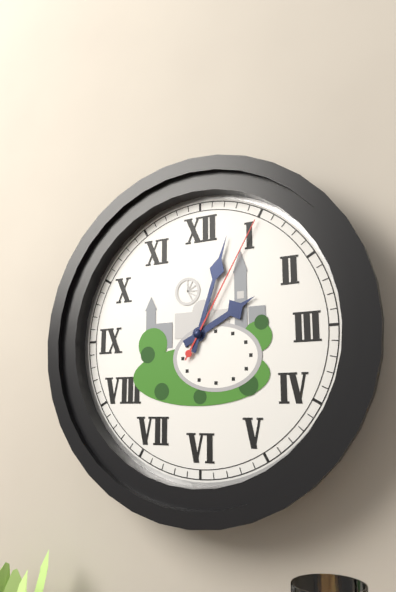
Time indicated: **2:03:05**
